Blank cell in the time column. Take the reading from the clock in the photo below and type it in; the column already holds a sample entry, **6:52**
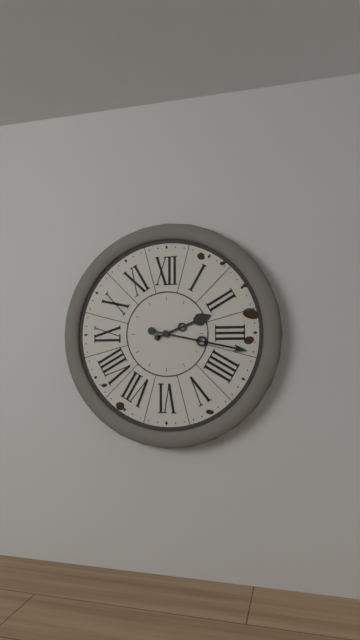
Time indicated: **2:17**
